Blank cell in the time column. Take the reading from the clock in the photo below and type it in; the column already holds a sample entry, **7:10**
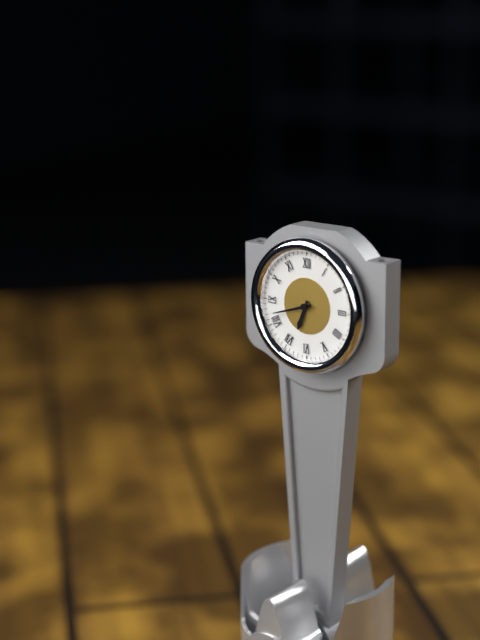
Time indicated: **6:42**
